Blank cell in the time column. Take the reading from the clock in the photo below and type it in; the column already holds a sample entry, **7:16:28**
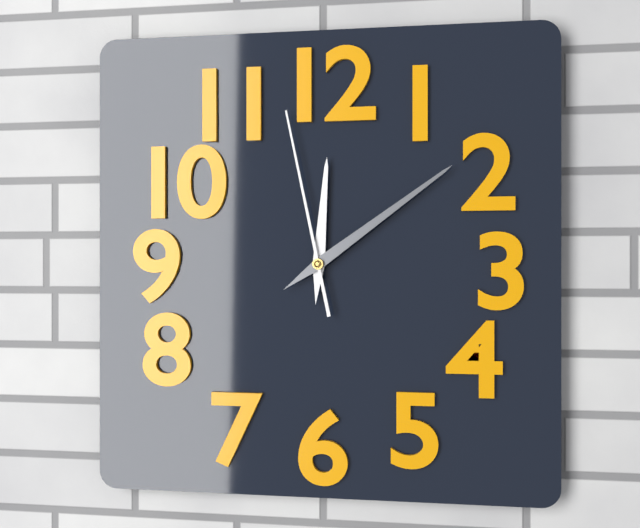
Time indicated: **12:09:58**
